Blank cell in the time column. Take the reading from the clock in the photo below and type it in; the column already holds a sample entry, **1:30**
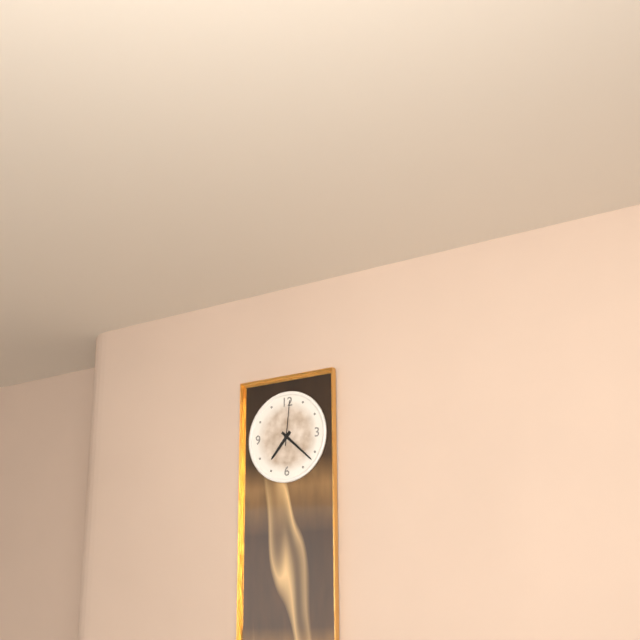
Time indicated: **7:22**
